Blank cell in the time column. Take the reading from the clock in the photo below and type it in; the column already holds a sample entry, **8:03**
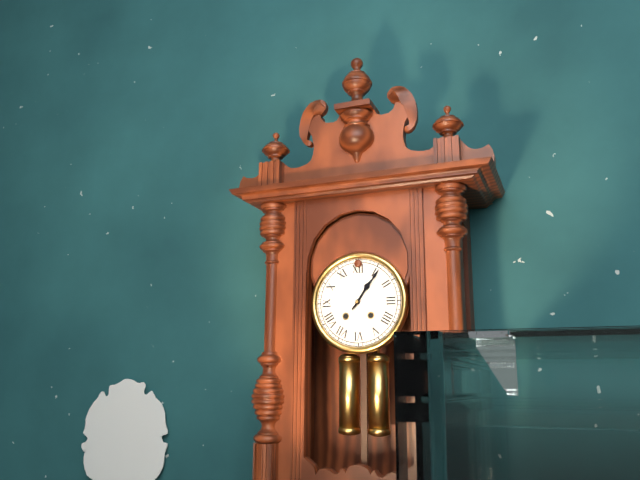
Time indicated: **1:06**
